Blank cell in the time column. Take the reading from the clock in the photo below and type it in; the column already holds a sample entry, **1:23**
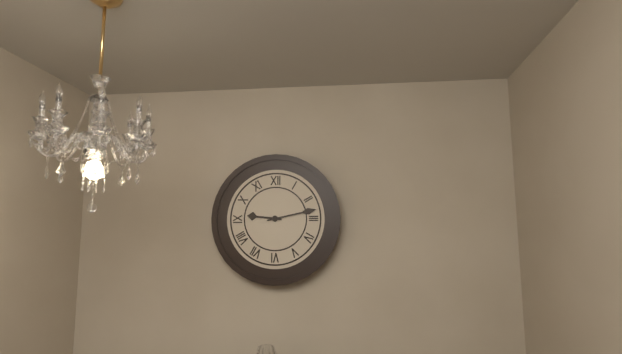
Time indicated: **9:13**
